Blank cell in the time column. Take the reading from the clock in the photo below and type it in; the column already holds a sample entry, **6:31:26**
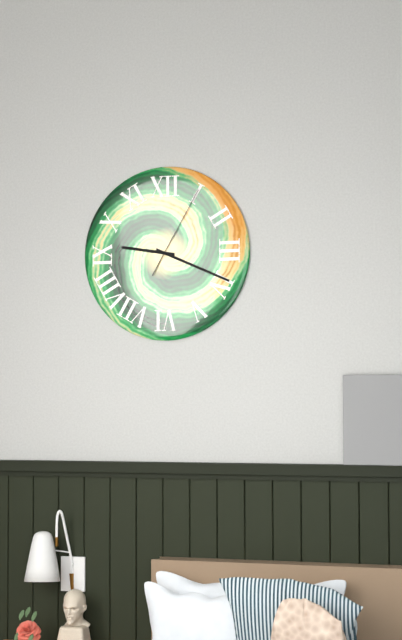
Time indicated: **9:19:05**
